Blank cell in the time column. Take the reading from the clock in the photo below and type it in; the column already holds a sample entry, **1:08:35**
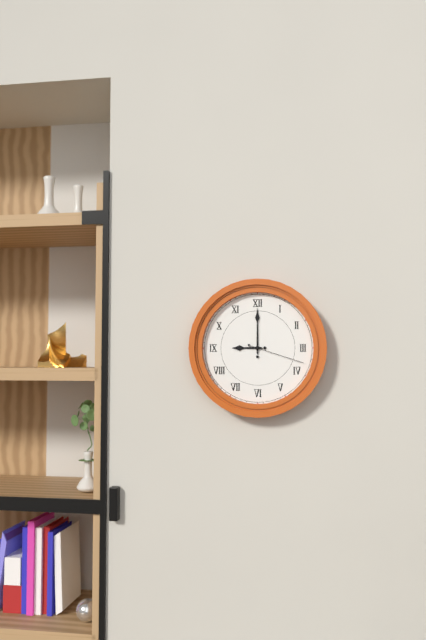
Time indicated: **9:00:18**
